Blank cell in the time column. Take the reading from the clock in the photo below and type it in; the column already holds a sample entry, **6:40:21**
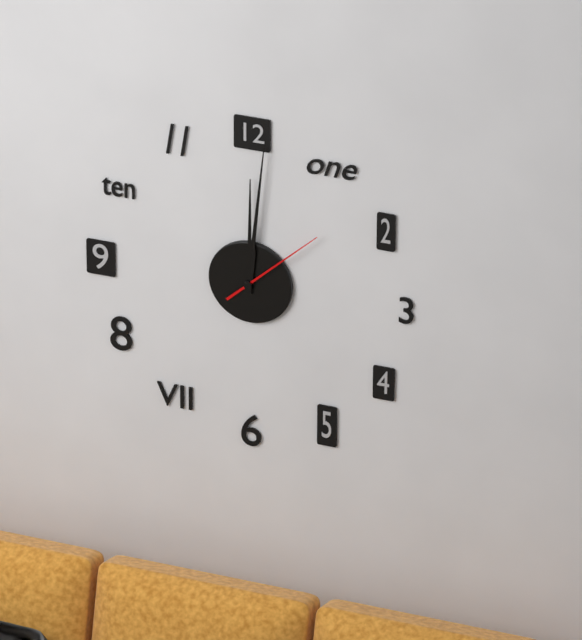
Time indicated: **12:01:08**
